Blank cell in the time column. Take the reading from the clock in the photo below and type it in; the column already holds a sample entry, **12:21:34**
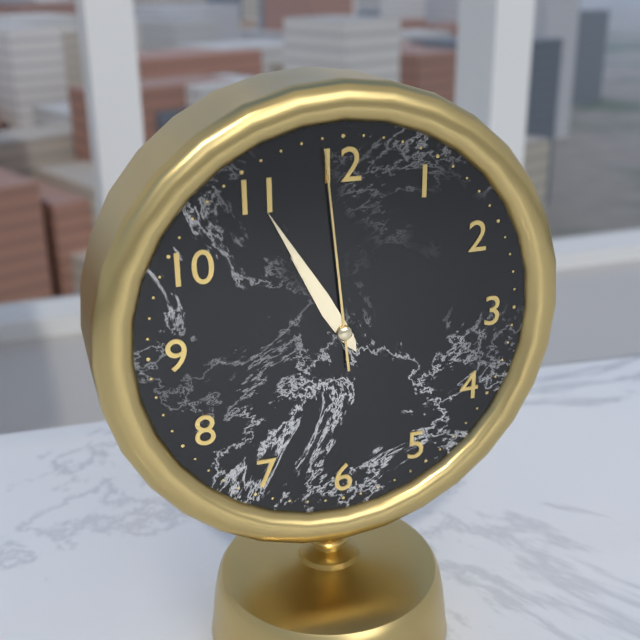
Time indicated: **10:55:59**
